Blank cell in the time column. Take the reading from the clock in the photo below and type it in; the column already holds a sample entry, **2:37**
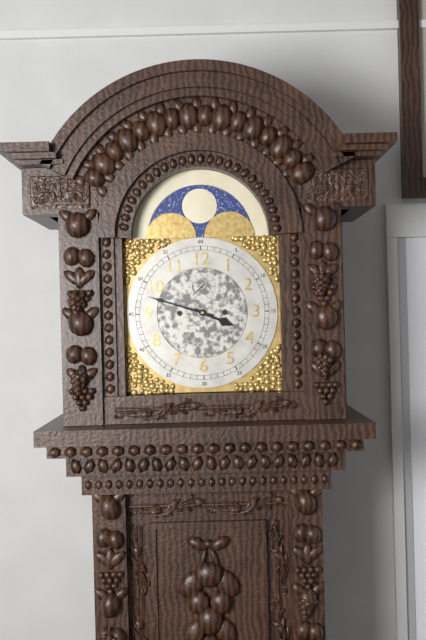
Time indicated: **3:48**
